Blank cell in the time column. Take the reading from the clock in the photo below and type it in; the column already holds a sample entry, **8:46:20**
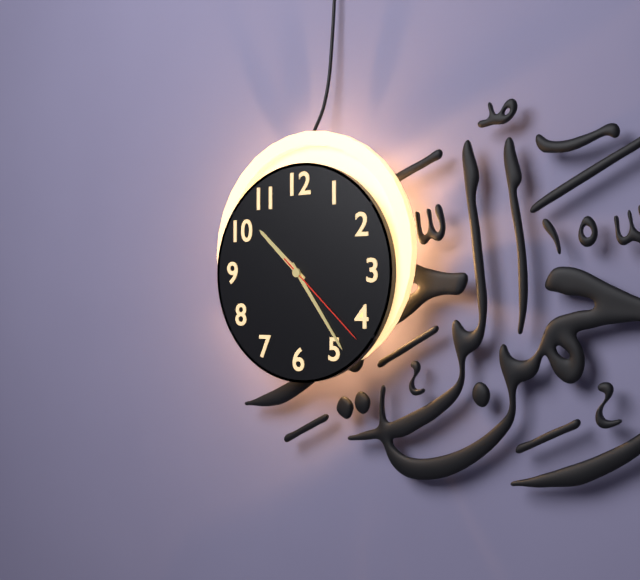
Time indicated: **10:24:22**
